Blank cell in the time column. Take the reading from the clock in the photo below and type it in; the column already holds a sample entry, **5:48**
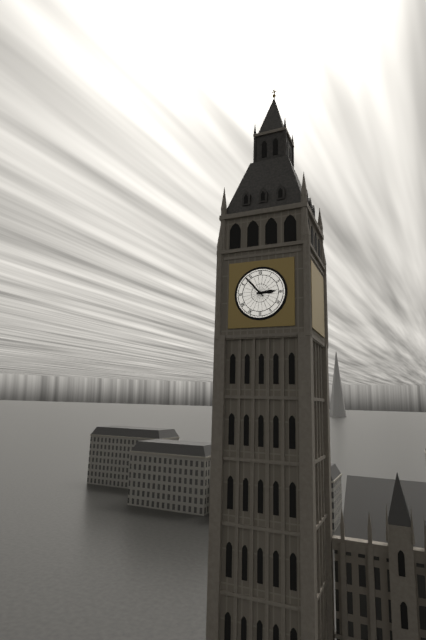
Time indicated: **2:53**
